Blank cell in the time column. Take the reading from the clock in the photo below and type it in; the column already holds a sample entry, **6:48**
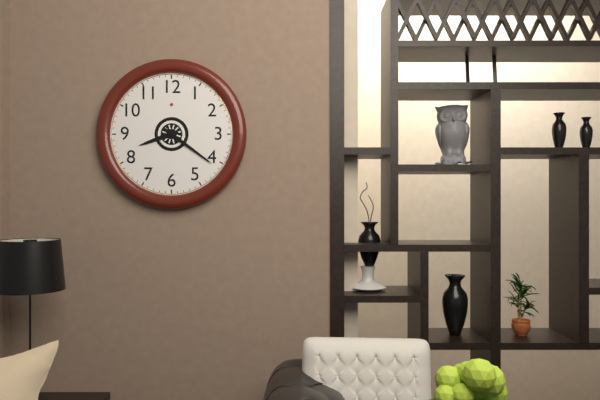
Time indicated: **8:21**
